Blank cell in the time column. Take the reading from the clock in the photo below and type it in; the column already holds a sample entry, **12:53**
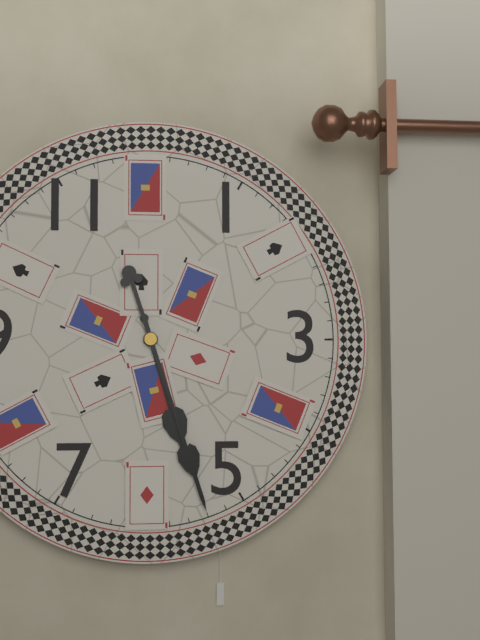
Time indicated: **5:27**
